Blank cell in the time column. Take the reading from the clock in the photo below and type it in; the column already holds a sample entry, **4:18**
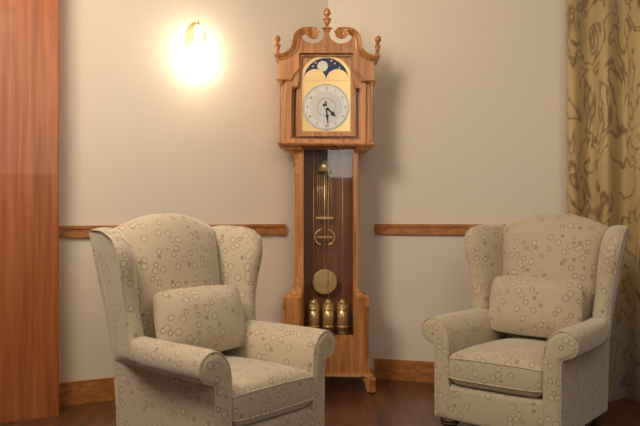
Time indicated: **4:29**
